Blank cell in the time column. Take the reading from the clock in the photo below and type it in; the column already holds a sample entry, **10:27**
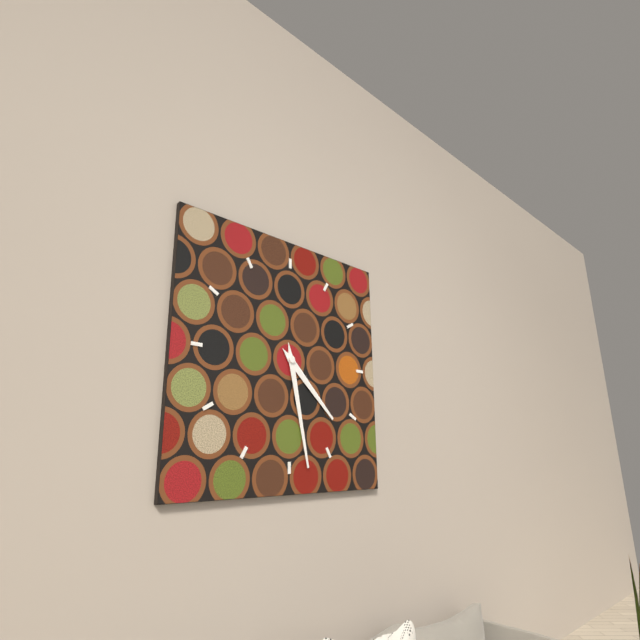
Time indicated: **4:28**
